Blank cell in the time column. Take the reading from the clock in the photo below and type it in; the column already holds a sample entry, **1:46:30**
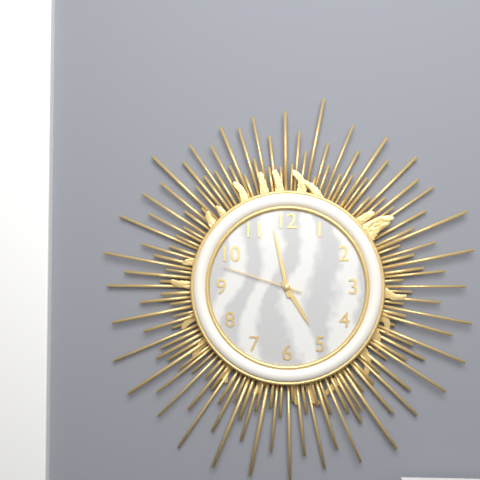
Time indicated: **4:58:48**
